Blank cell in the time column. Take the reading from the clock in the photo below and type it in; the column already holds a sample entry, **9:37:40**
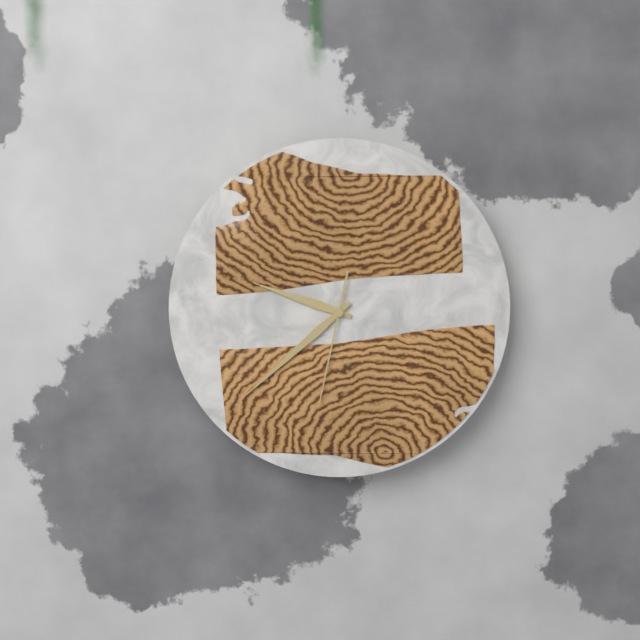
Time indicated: **9:38:32**
